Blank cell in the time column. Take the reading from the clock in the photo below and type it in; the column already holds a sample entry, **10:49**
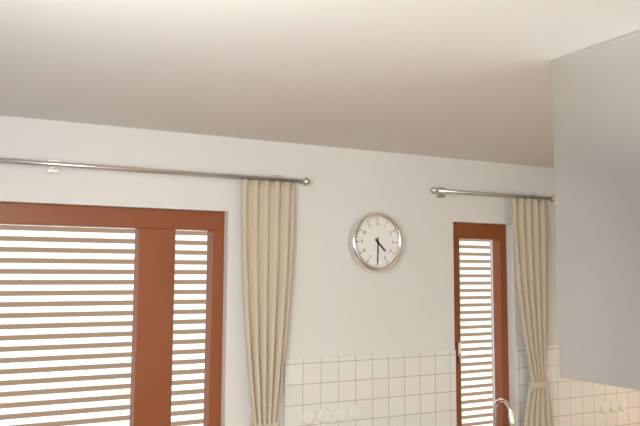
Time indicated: **4:30**
